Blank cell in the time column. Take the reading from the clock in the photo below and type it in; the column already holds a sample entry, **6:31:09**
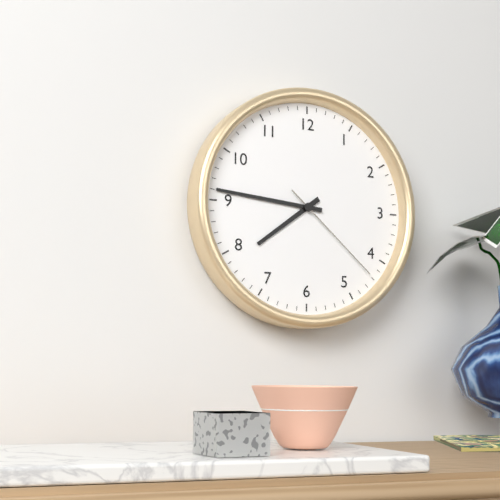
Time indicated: **7:46:22**
